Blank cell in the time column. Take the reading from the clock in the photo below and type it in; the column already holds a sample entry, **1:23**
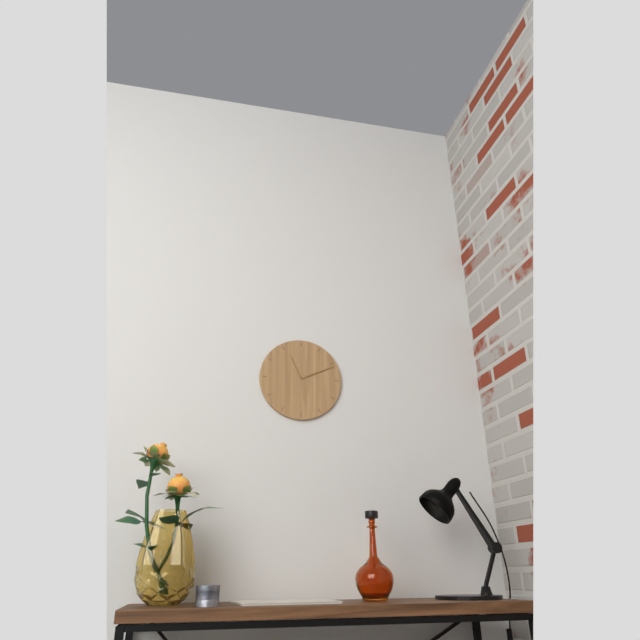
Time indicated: **11:11**
